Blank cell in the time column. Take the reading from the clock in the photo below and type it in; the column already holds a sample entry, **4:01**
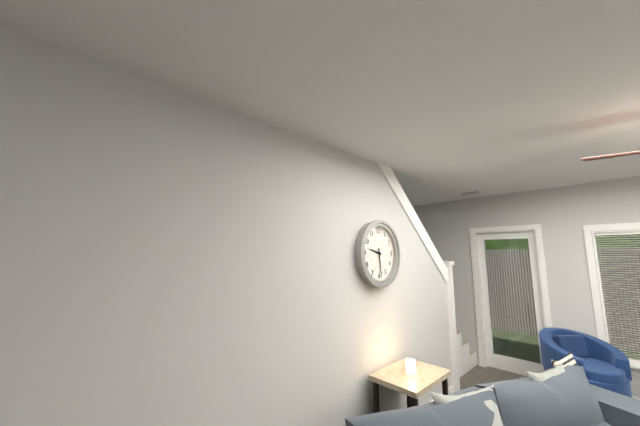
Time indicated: **9:29**
